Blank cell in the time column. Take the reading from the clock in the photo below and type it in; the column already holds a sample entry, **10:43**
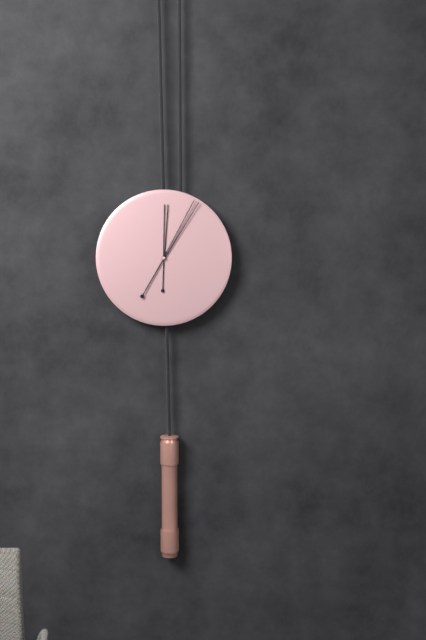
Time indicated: **12:05**
